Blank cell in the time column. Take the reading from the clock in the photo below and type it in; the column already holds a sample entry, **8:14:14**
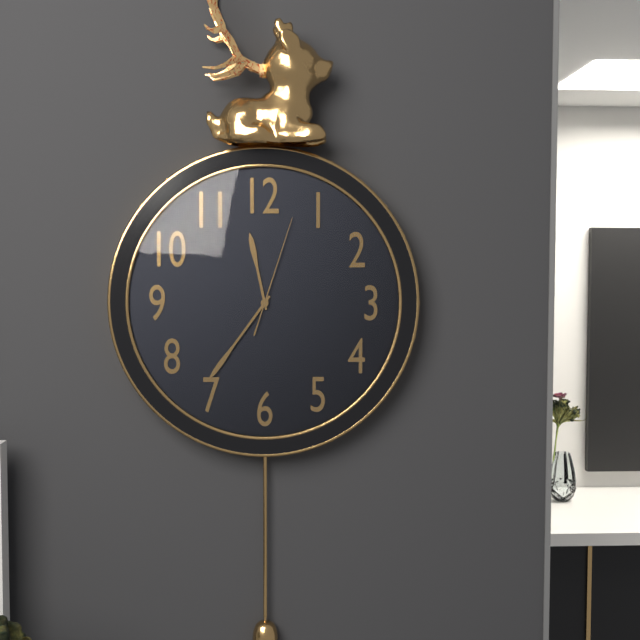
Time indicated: **11:36:03**
